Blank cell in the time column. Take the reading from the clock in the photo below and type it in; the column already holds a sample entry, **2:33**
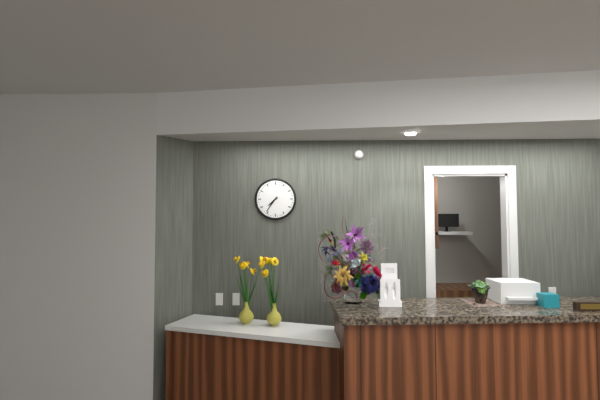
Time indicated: **7:36**
